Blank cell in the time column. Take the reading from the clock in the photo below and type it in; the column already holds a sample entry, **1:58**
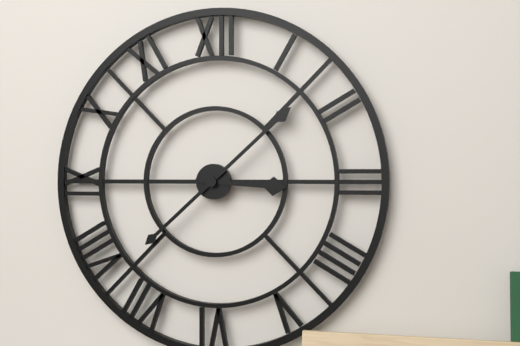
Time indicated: **3:08**
